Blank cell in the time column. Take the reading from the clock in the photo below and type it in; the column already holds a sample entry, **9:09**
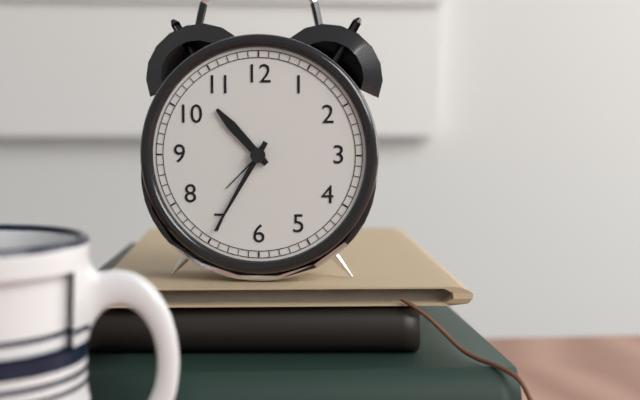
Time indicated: **10:35**
